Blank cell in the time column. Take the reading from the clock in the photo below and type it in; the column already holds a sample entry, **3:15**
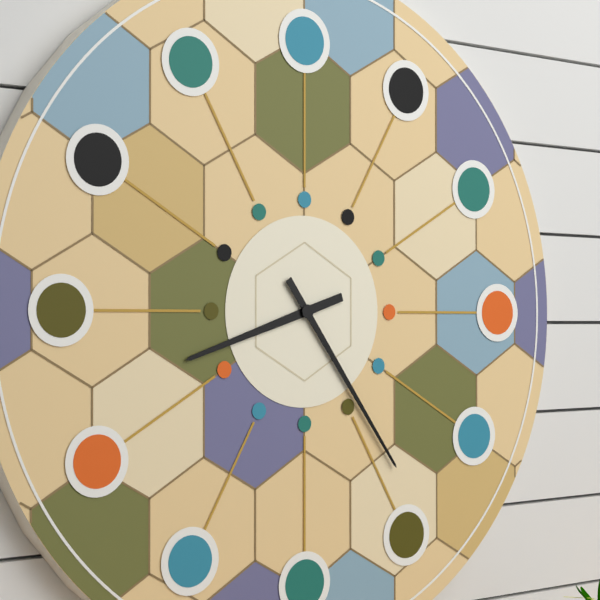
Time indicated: **8:24**
